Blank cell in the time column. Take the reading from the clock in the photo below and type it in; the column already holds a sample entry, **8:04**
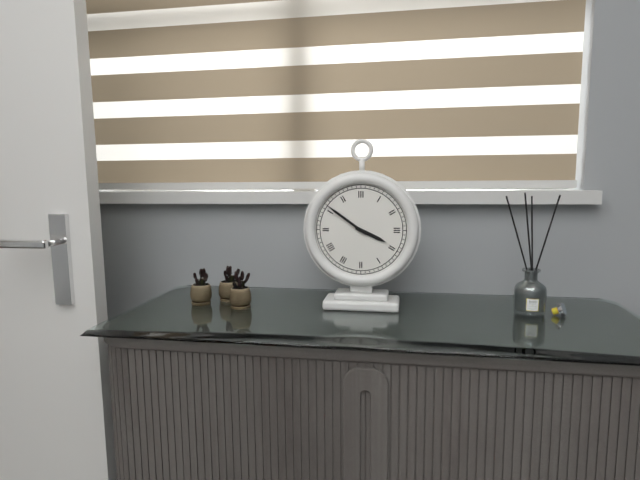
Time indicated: **3:51**
